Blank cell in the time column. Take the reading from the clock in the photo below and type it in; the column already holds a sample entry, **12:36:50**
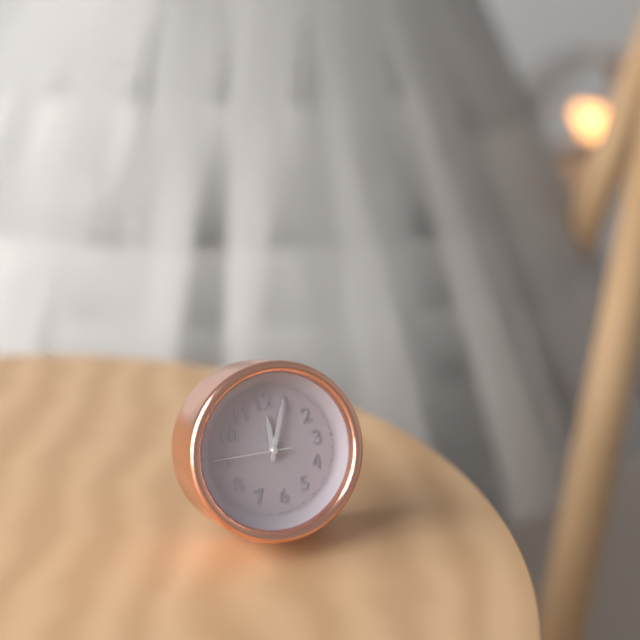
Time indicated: **12:04:46**
